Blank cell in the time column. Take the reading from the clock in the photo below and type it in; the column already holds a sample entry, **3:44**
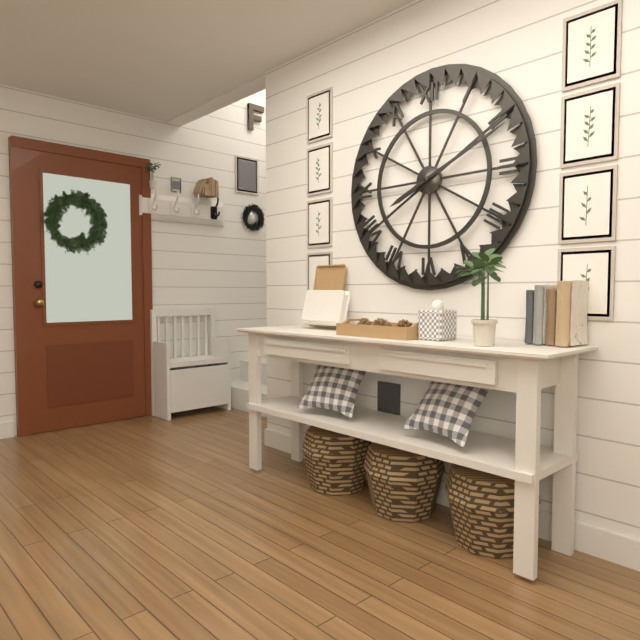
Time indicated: **8:11**
